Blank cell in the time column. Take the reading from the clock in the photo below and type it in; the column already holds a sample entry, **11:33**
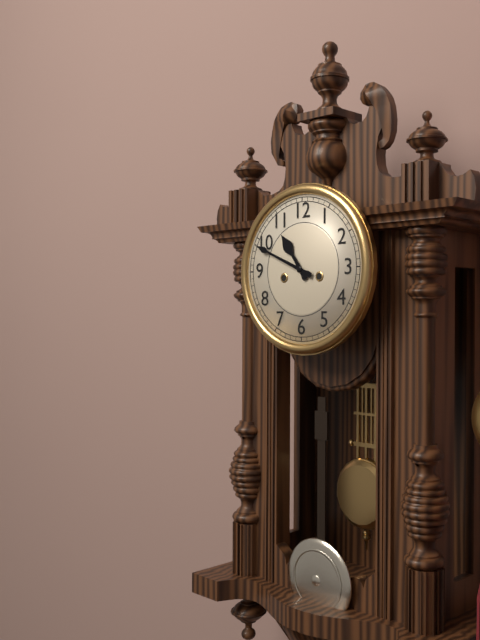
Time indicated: **10:49**
